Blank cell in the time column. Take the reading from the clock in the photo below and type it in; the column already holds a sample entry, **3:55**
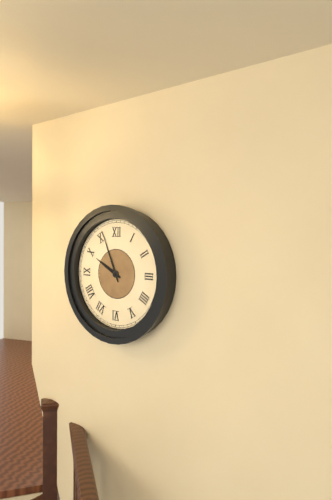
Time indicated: **9:56**
